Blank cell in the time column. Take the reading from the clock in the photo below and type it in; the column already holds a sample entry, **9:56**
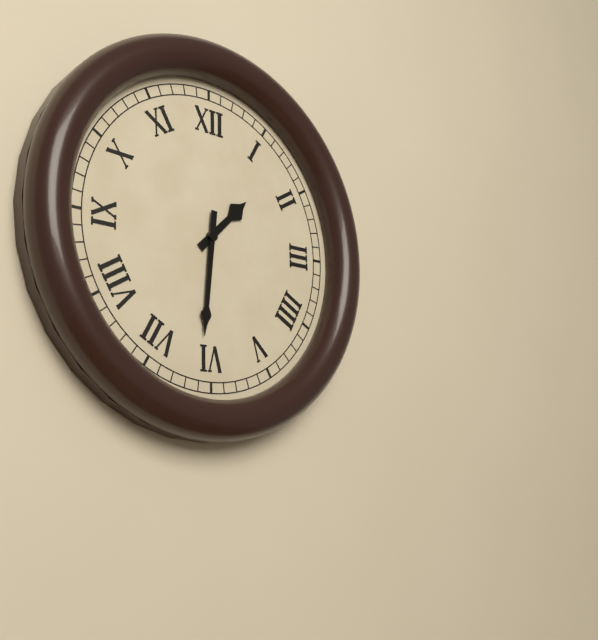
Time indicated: **1:31**
